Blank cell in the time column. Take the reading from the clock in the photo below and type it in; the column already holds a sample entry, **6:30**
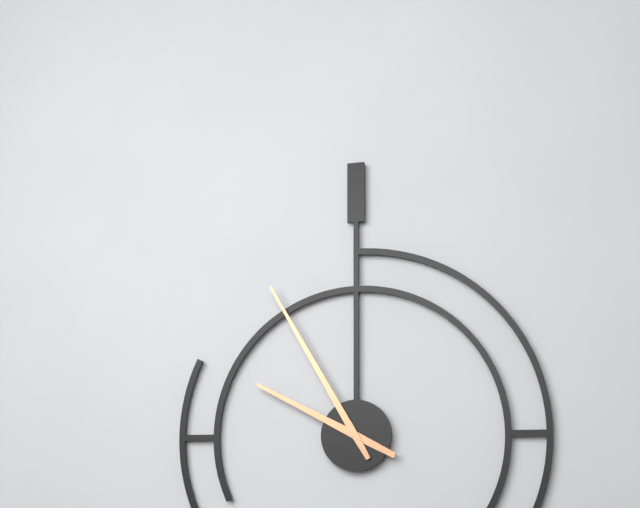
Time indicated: **9:55**
